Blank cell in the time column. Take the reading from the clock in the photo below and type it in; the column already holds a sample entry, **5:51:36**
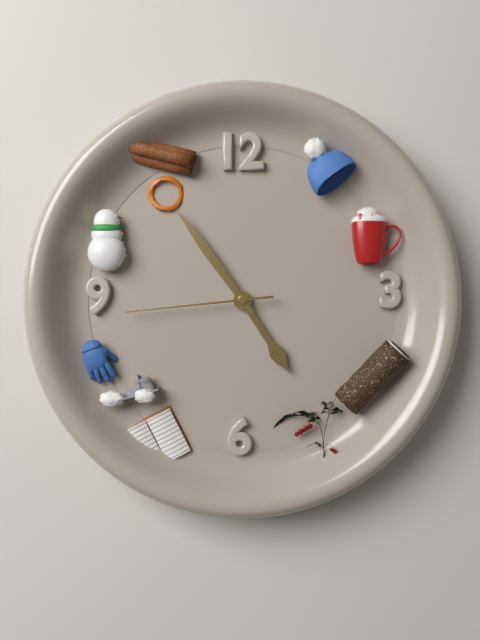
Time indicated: **4:54:44**
